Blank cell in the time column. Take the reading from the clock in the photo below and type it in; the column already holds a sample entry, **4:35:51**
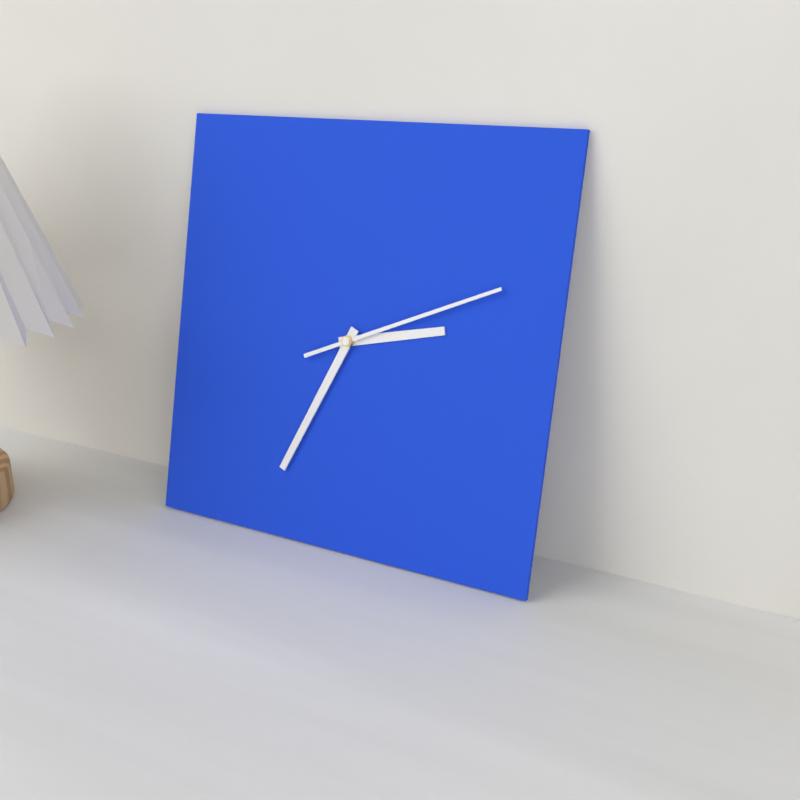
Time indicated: **2:34:11**
